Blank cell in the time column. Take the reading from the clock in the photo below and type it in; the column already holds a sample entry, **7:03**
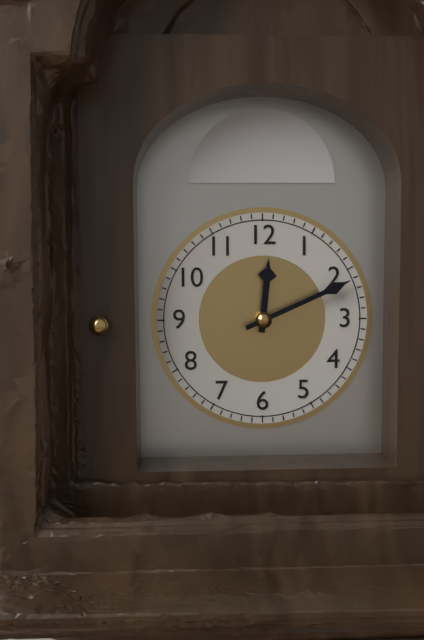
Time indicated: **12:11**
